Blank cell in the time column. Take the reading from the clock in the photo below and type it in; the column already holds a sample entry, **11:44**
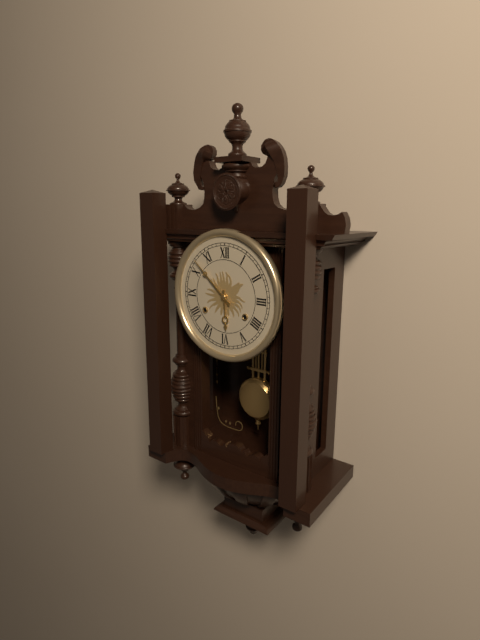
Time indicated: **5:52**
